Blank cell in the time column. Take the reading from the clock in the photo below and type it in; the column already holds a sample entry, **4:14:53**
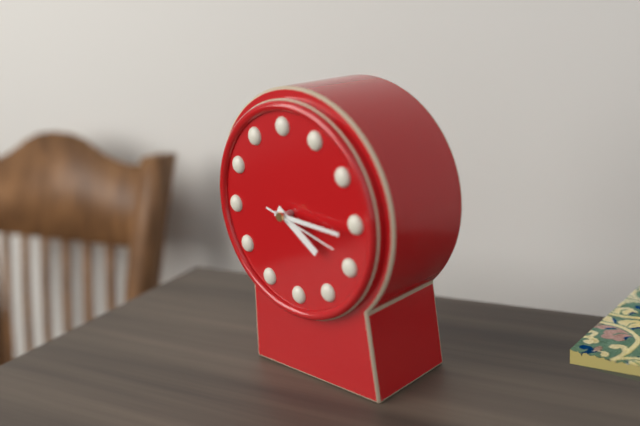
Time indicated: **4:16:18**
